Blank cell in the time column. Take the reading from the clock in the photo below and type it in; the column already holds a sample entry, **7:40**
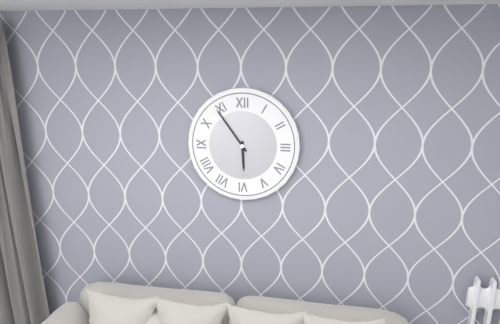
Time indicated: **5:54**
